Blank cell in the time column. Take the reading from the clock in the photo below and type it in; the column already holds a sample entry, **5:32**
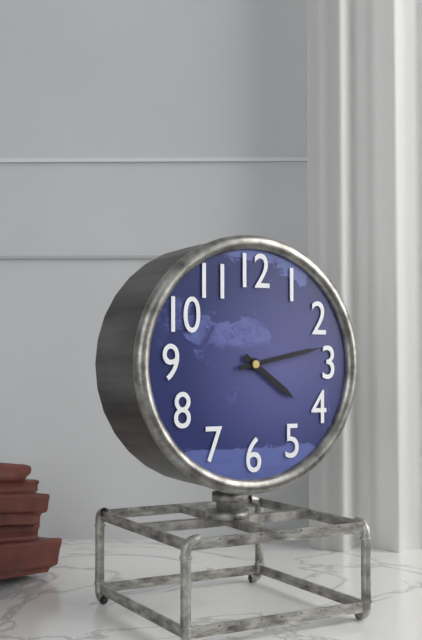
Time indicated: **4:13**
